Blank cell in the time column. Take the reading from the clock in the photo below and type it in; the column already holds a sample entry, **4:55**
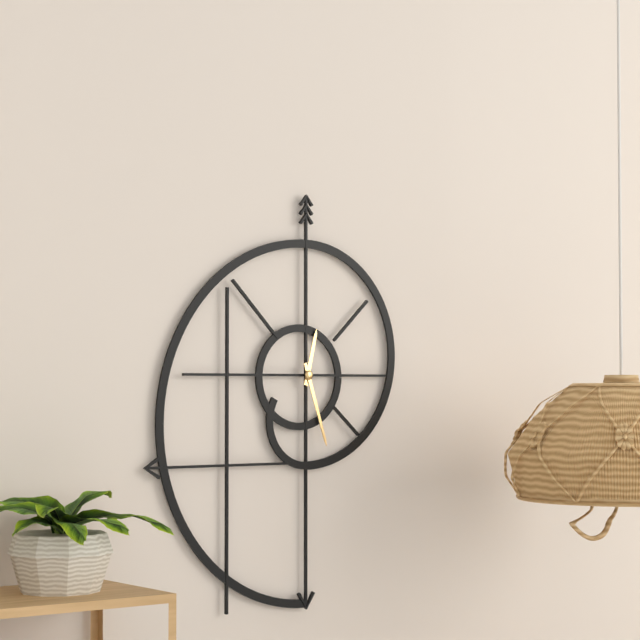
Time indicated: **12:27**
